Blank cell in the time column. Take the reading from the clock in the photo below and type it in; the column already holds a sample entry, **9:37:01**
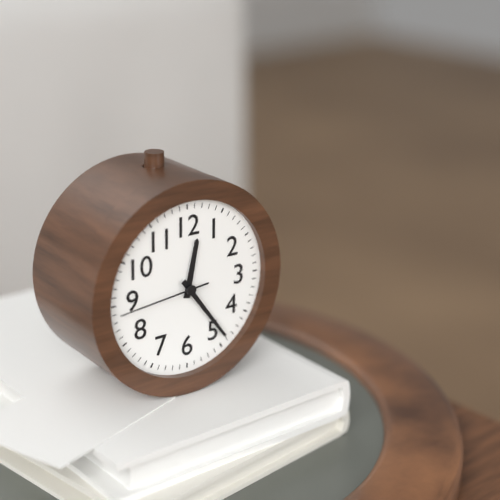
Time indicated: **12:24:44**
